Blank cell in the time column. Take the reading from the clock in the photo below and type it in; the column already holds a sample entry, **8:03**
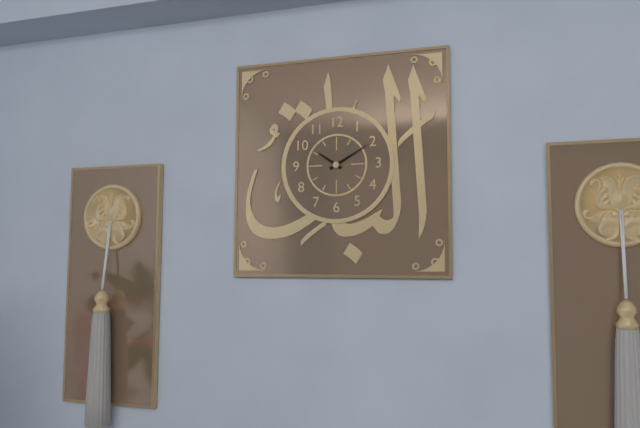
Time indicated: **10:10**
